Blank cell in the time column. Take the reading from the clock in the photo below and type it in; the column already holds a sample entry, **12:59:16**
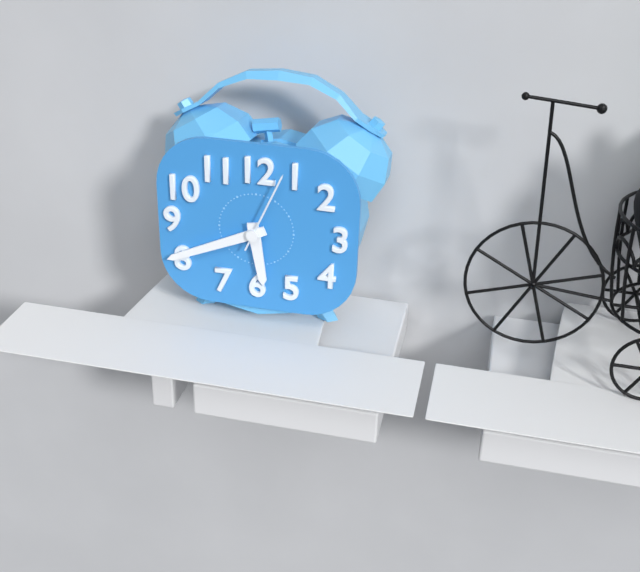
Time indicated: **5:41:04**
